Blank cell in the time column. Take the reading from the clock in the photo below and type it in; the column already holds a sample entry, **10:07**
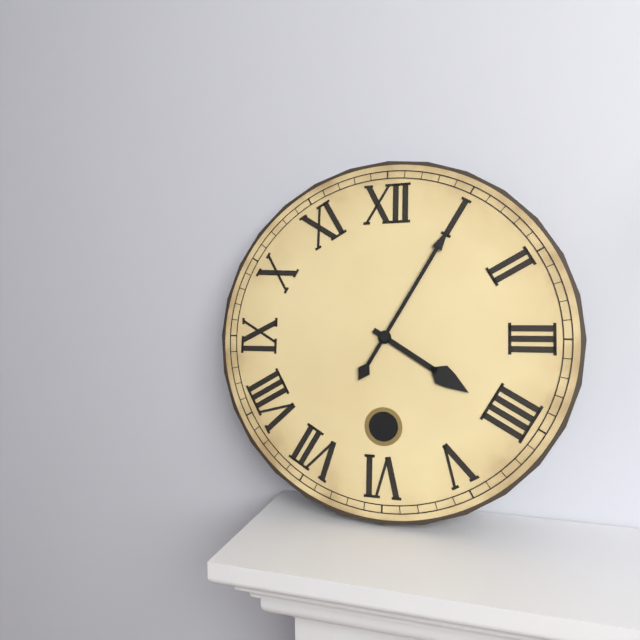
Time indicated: **4:05**
